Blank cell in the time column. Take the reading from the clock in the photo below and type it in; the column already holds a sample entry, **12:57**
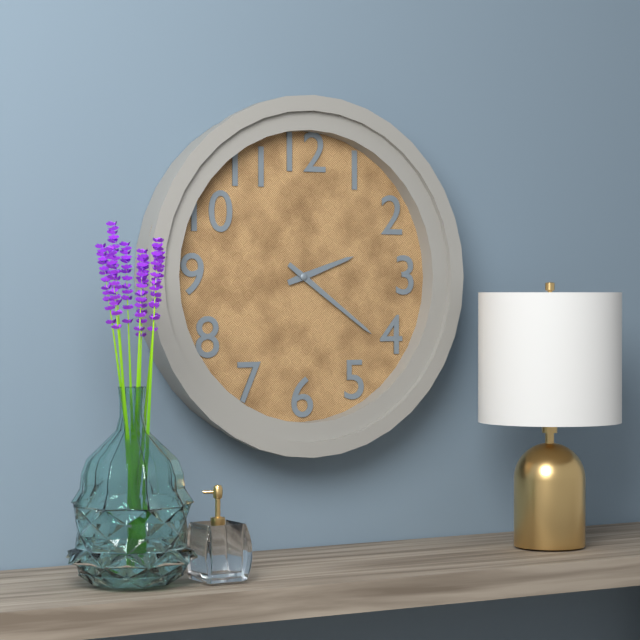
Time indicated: **2:21**
